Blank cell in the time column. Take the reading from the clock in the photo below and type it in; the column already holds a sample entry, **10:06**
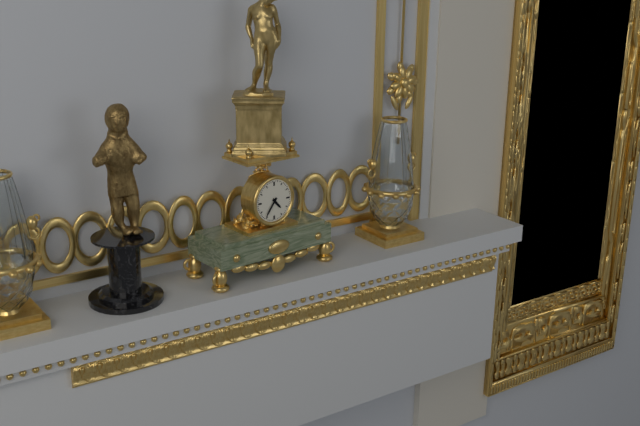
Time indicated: **4:36**
